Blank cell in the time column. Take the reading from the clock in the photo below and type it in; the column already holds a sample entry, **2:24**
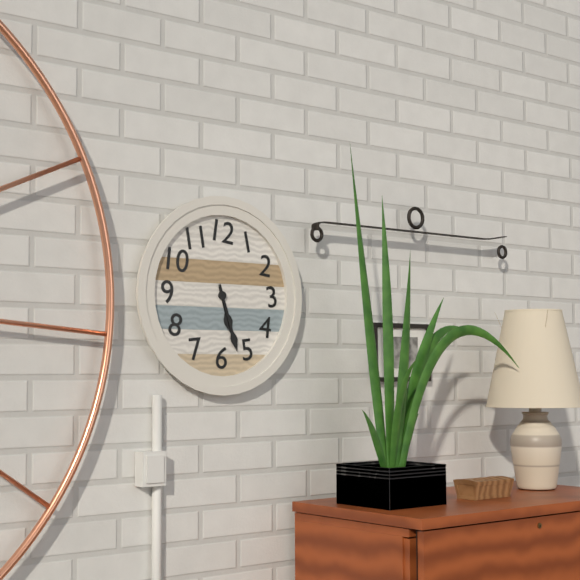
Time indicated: **5:27**
